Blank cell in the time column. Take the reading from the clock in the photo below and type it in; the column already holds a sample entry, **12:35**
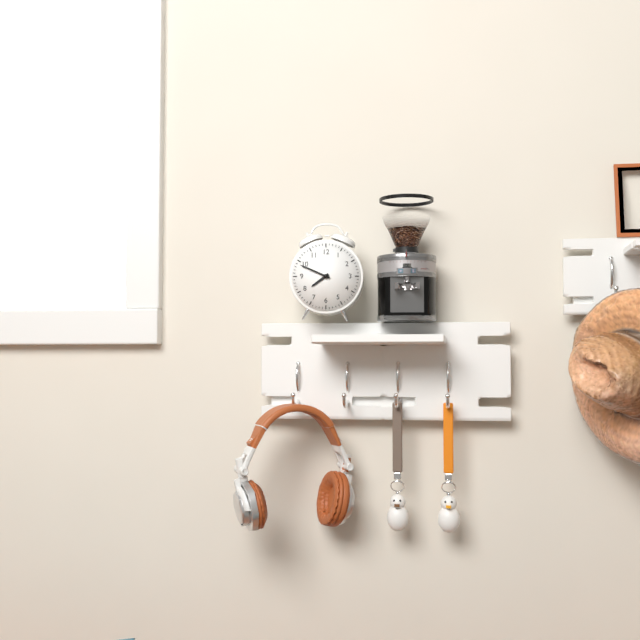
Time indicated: **7:49**
